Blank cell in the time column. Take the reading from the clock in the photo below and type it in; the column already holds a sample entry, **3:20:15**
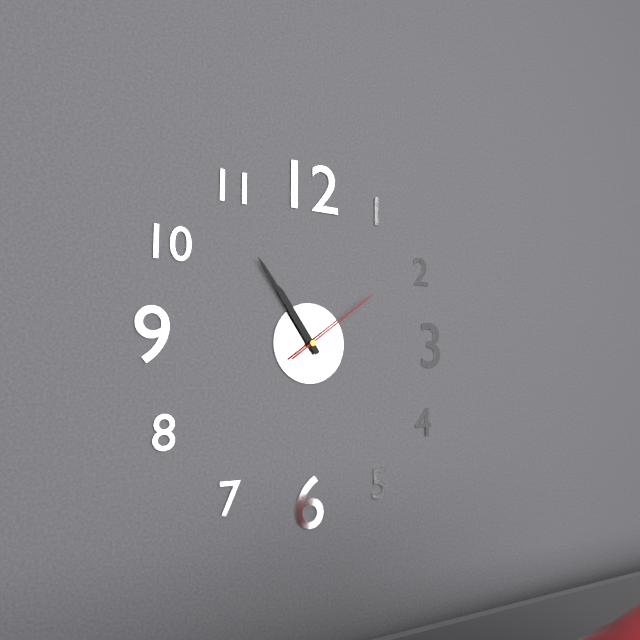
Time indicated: **10:54:09**
